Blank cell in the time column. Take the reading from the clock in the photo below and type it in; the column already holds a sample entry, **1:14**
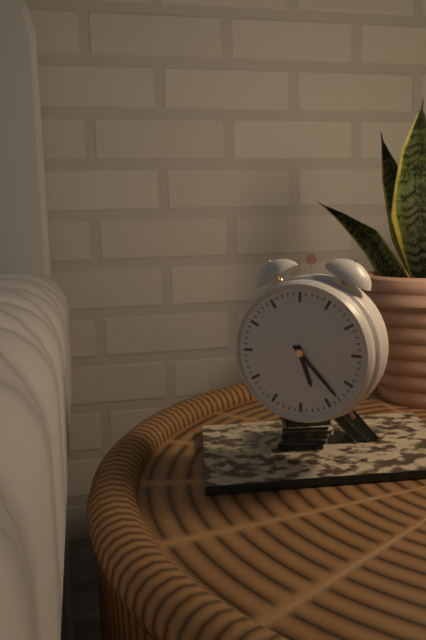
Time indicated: **5:23**
